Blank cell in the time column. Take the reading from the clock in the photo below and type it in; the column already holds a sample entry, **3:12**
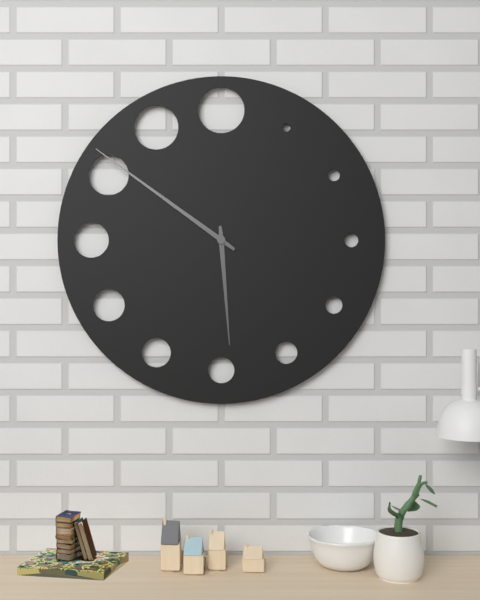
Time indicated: **5:51**
